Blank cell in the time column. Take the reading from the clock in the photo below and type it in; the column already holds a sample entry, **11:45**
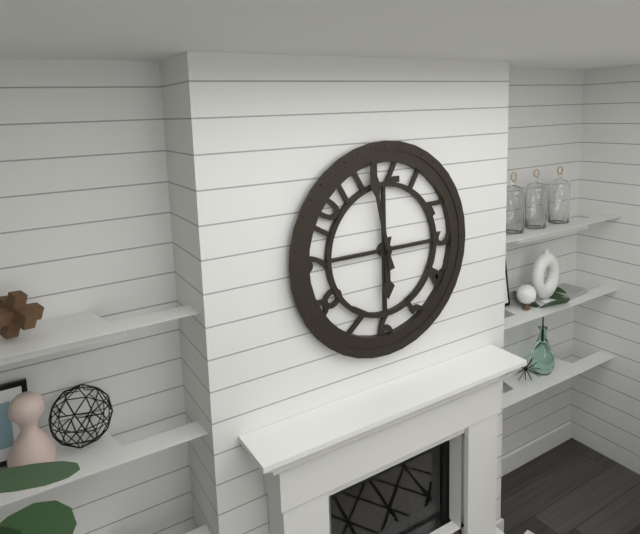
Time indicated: **5:58**
